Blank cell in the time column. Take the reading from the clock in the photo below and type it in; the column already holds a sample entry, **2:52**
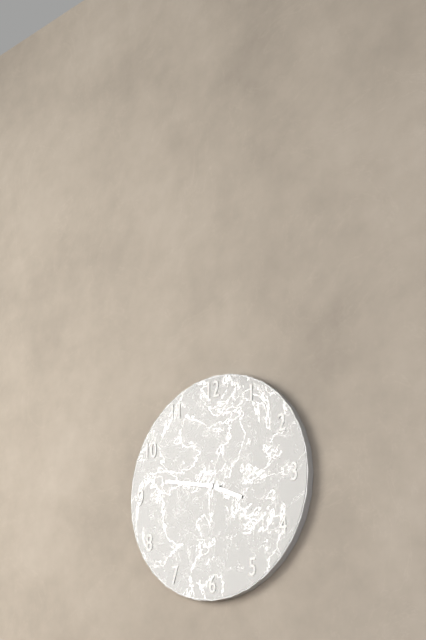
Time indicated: **3:47**
